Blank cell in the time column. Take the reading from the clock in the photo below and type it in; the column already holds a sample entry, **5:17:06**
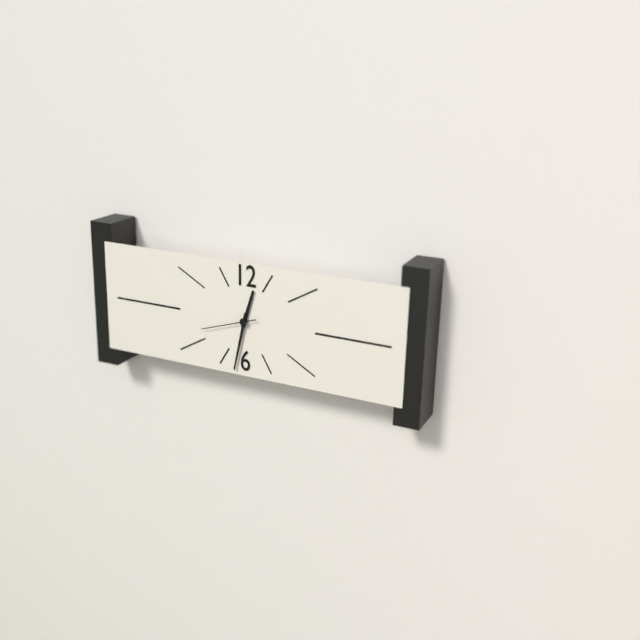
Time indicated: **12:32:42**
